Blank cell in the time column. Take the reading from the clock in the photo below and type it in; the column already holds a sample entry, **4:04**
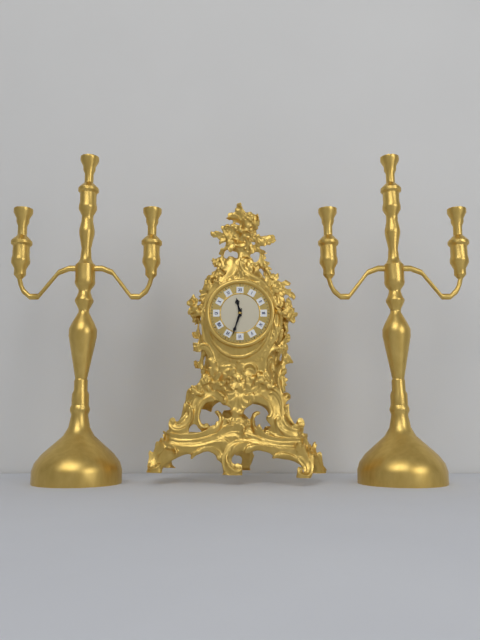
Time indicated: **11:33**
